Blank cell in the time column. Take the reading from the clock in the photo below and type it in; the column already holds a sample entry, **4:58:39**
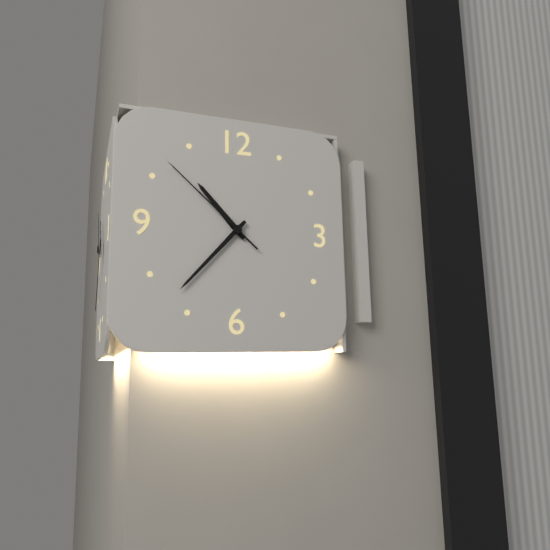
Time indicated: **10:37:52**
